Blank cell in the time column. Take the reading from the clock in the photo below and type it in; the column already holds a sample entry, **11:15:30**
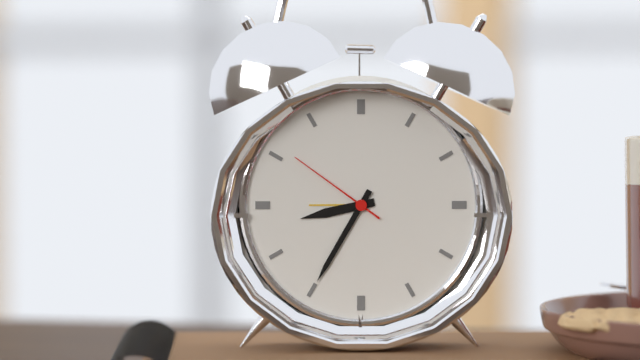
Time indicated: **8:35:51**
